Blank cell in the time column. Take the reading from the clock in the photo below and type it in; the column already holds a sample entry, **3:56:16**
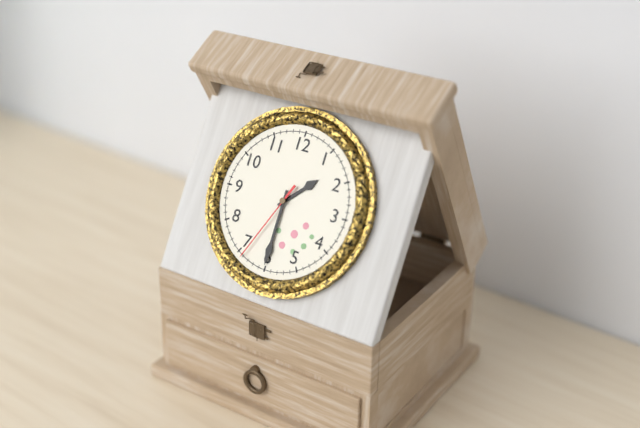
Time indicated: **1:30:34**
